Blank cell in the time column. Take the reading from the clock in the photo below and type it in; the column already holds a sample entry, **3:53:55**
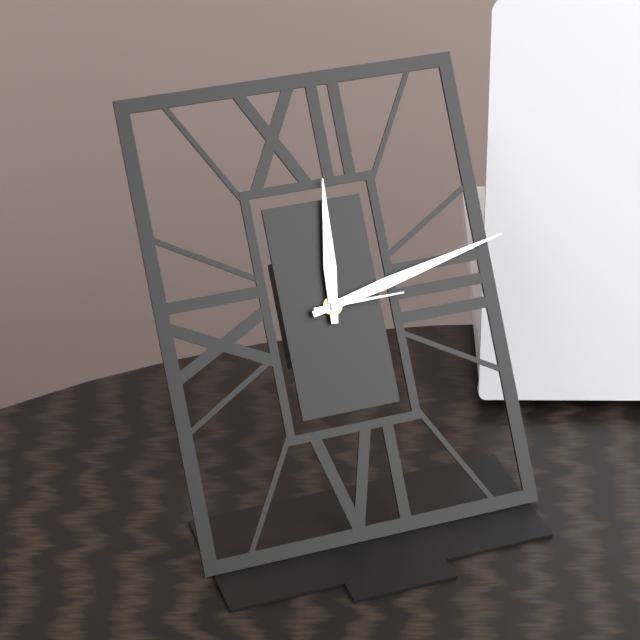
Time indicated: **12:13:15**
